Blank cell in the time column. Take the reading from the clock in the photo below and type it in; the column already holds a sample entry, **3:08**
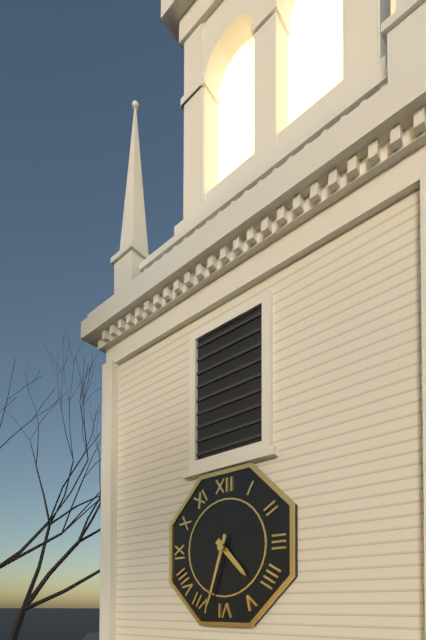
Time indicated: **4:33**
